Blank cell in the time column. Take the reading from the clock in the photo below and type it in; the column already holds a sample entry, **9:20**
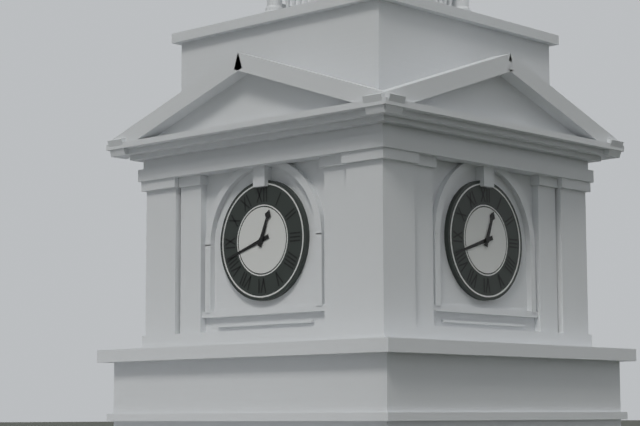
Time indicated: **12:42**
